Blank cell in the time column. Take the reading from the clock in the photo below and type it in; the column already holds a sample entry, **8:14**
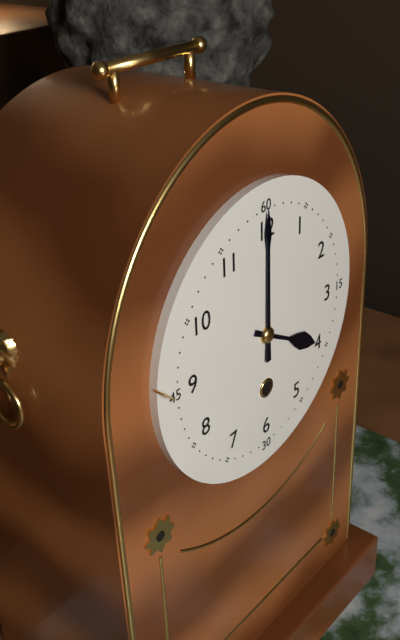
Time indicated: **4:00**
